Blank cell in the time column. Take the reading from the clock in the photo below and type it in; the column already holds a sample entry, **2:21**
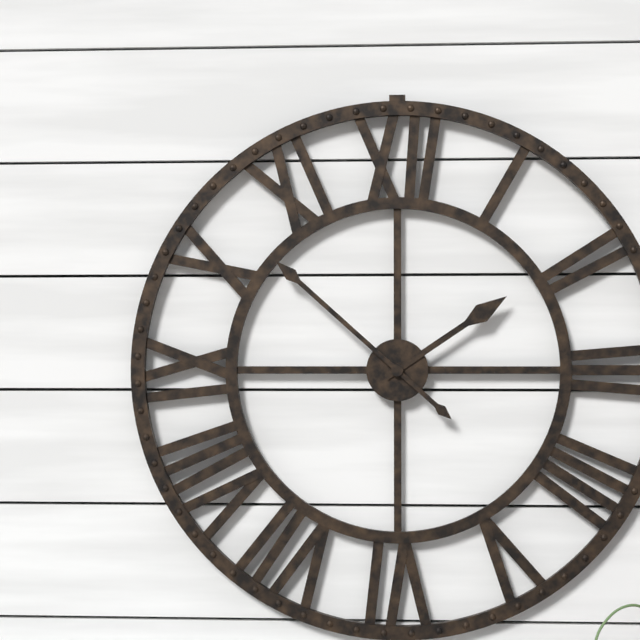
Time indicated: **1:52**
